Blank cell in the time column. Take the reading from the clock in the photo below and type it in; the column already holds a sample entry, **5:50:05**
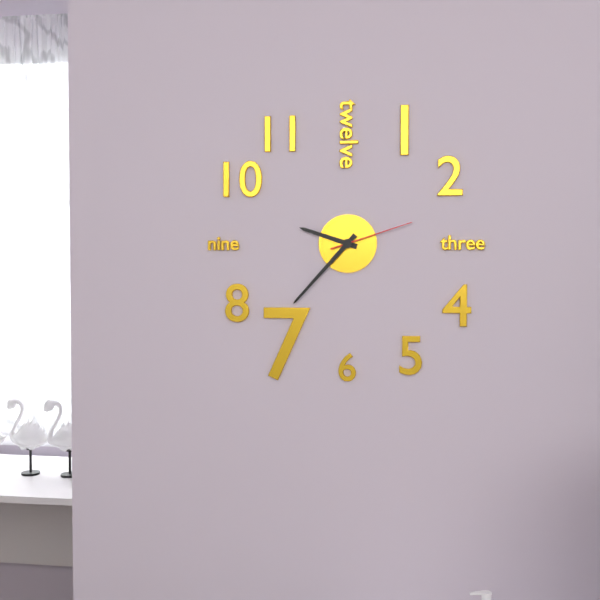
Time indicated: **9:37:12**
